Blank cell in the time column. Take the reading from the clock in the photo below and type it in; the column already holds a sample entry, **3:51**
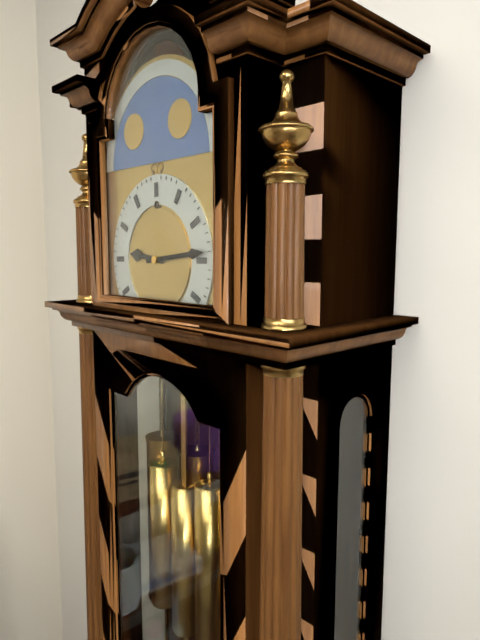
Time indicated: **9:14**
